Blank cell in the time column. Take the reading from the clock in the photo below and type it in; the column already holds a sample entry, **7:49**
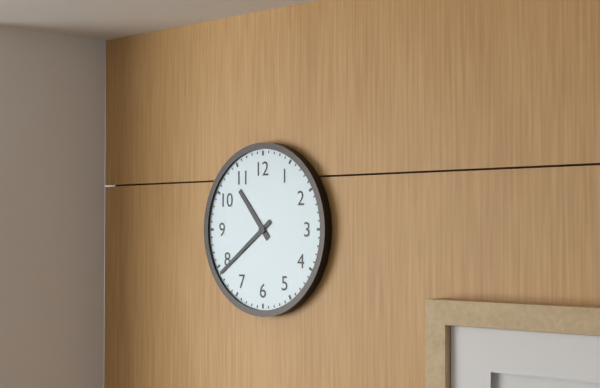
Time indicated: **10:39**
